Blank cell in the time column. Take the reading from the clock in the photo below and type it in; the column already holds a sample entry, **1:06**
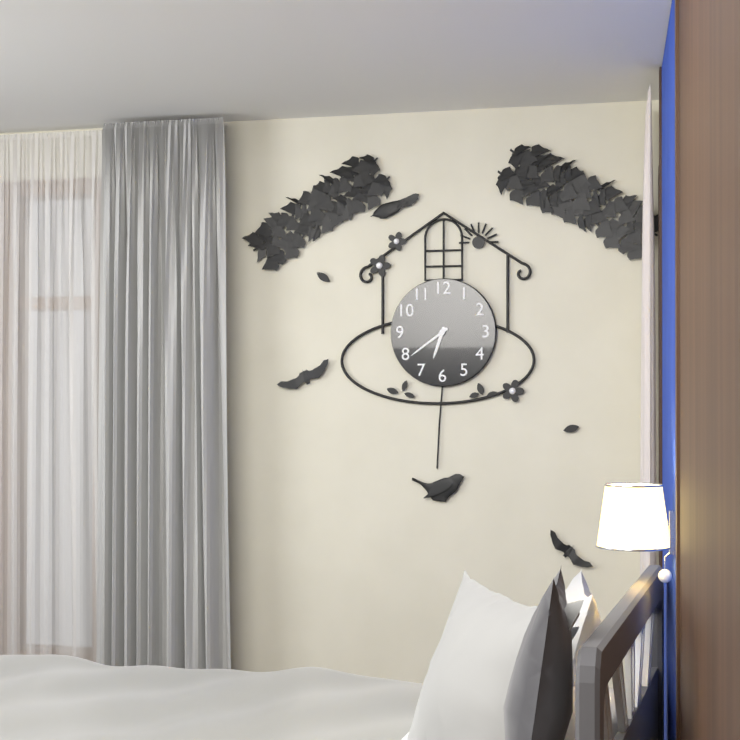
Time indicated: **6:39**
